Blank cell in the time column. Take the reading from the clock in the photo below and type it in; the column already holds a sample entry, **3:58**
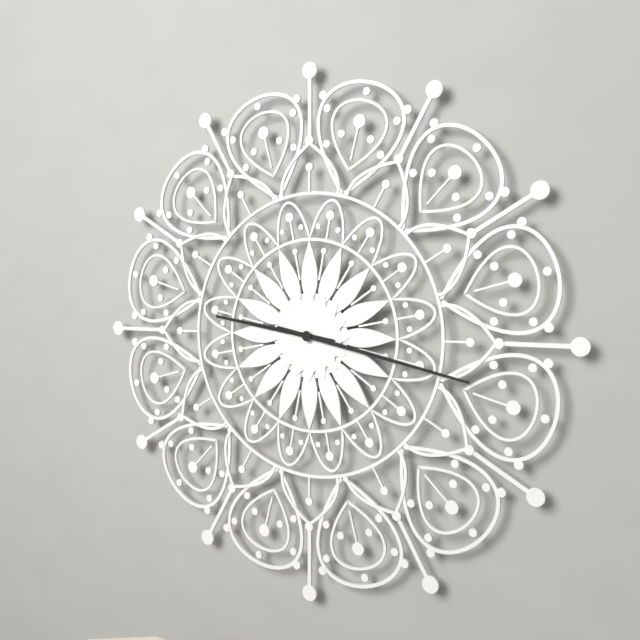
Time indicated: **9:17**
